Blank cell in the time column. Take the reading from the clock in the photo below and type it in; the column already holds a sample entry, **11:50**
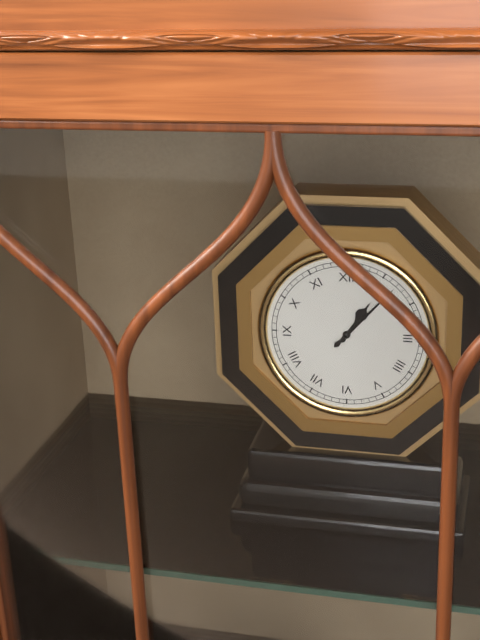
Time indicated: **1:07**
